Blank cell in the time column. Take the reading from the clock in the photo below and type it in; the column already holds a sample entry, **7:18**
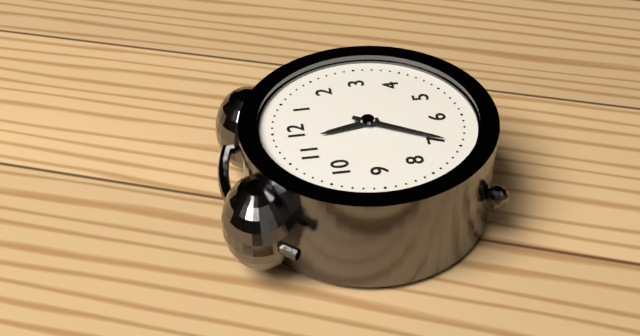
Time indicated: **11:35**
